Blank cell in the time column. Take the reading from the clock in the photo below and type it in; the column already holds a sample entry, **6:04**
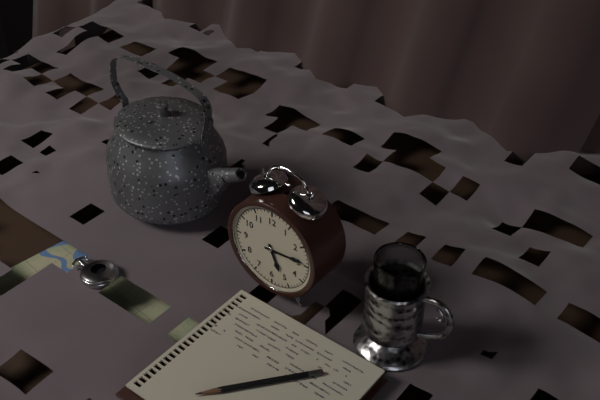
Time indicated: **5:14**
